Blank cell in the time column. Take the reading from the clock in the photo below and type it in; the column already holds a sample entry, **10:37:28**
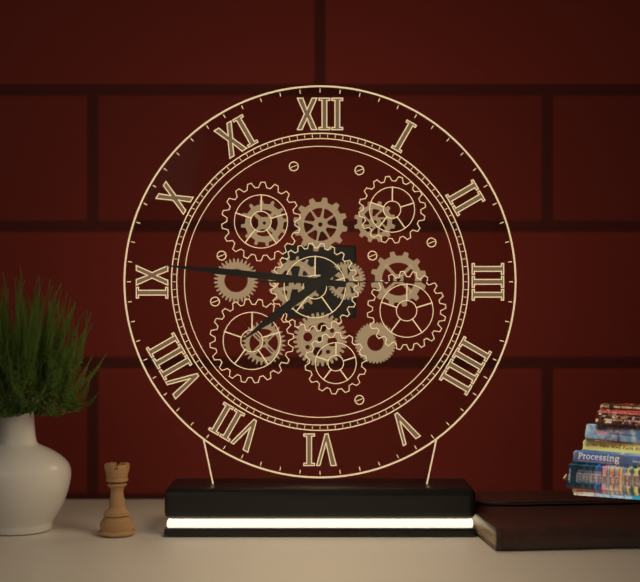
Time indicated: **7:46:15**
